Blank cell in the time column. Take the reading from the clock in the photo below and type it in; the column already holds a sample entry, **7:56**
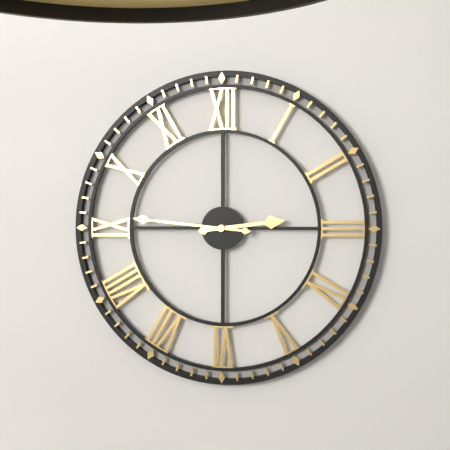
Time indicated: **2:46**
